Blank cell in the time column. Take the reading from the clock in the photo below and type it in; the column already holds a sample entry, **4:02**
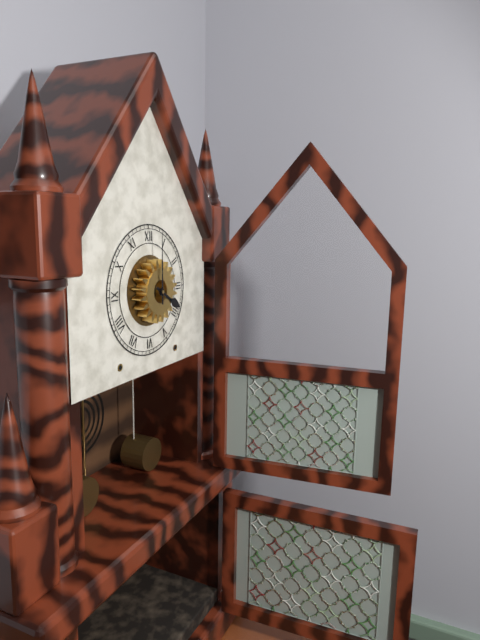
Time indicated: **4:00**
